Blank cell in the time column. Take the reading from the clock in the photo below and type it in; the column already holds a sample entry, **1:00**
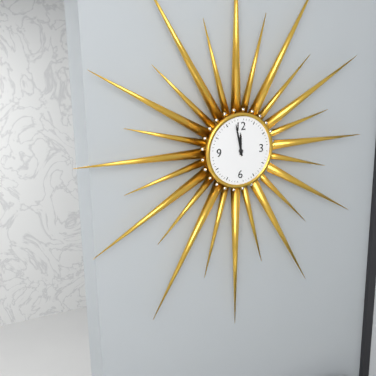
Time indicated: **11:58**
